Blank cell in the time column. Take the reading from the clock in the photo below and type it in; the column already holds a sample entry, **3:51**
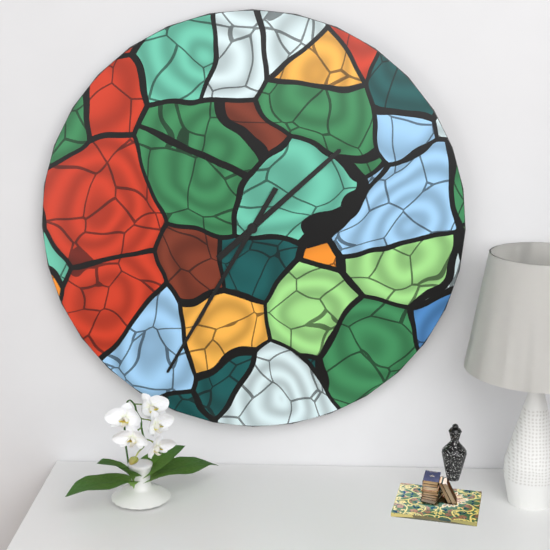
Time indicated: **1:35**
